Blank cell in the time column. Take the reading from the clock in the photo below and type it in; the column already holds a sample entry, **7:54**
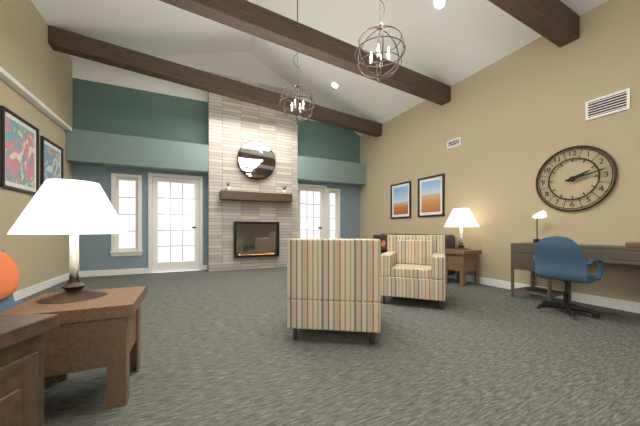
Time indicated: **2:13**
